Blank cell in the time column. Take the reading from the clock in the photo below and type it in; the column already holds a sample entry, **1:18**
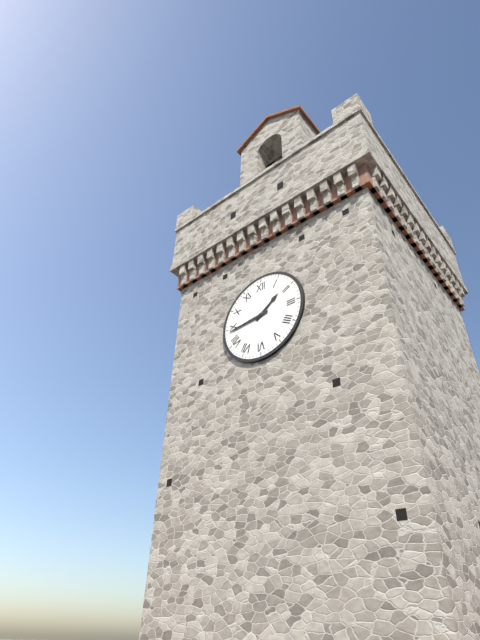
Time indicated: **1:44**
